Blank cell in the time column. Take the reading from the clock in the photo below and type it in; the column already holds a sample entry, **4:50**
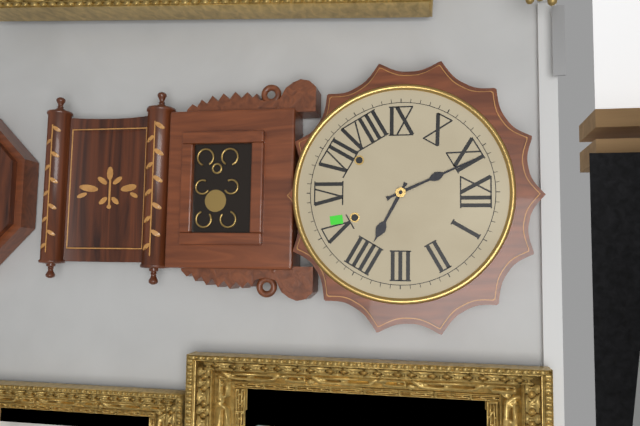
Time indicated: **3:56**
